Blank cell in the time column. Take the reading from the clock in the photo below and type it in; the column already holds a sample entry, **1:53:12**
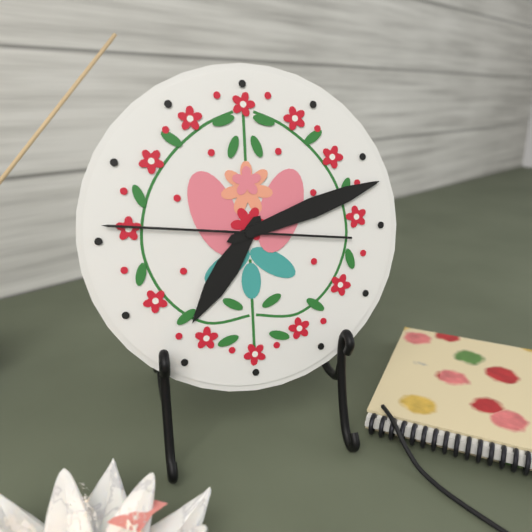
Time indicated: **7:12:46**
